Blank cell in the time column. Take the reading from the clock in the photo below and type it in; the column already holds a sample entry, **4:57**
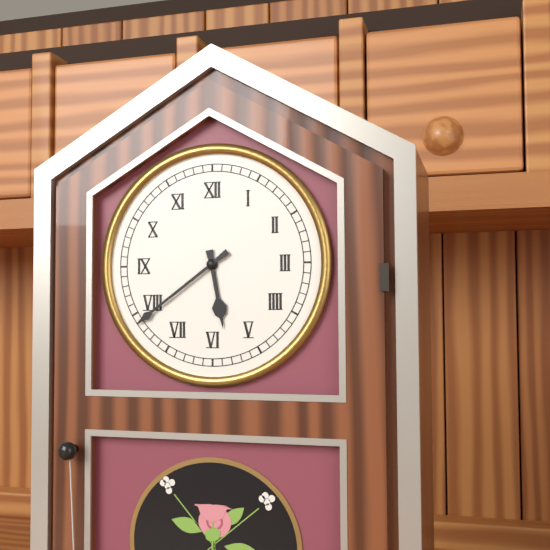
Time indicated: **5:39**
